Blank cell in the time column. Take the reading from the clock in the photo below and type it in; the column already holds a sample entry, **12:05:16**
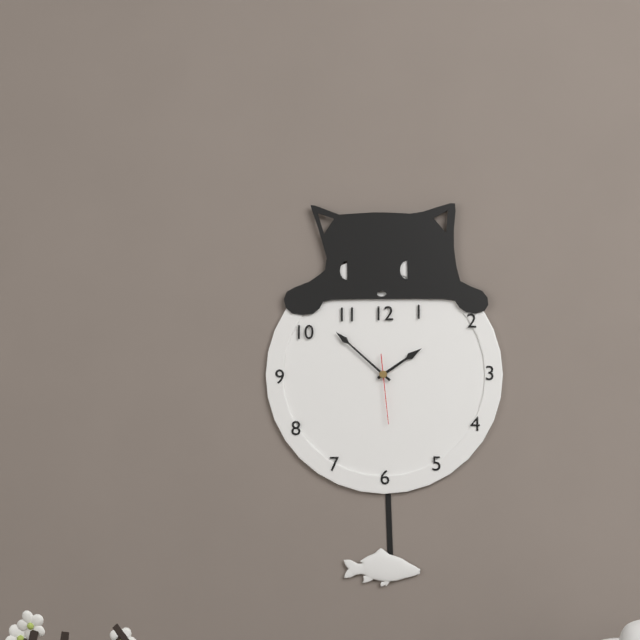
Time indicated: **1:52:29**
